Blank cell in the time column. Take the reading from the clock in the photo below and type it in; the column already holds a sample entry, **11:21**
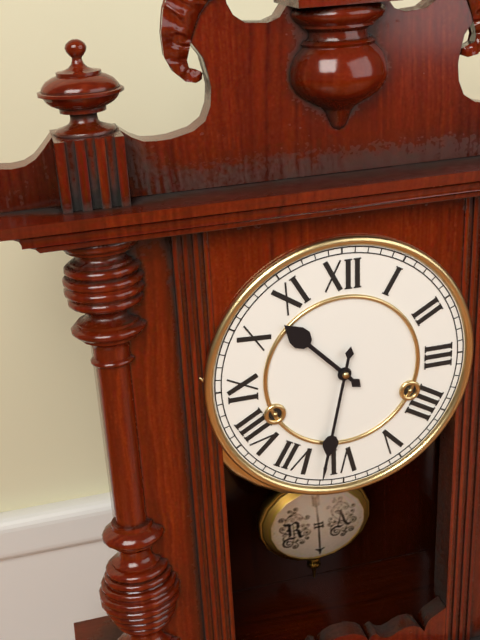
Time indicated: **10:32**
